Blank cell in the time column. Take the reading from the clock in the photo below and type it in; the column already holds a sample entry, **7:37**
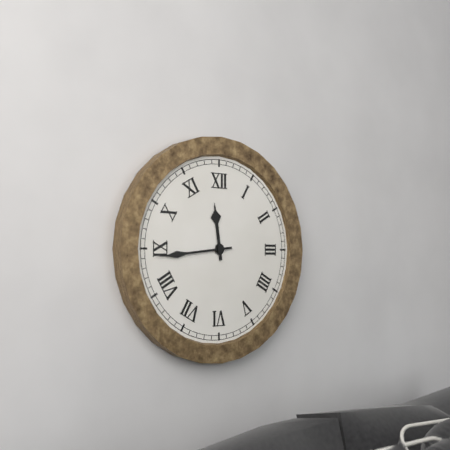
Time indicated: **11:44**
